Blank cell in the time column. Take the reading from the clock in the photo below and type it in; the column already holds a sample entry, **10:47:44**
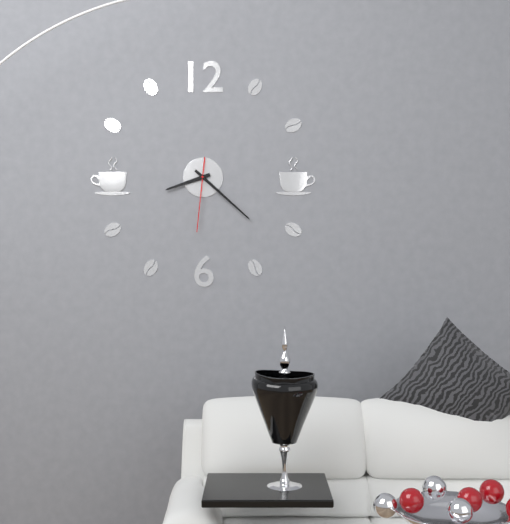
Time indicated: **8:22:31**
